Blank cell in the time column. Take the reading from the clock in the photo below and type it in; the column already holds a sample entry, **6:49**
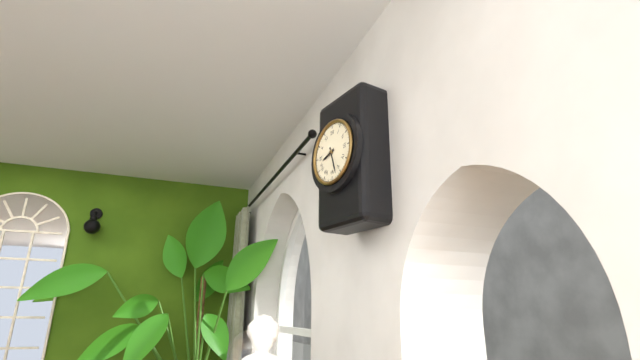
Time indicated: **8:27**
